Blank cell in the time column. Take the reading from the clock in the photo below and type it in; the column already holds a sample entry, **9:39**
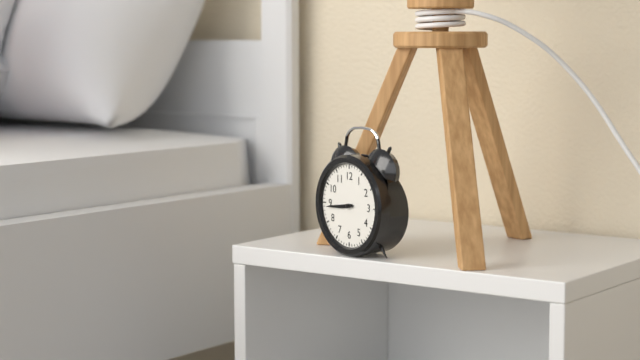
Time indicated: **8:44**
